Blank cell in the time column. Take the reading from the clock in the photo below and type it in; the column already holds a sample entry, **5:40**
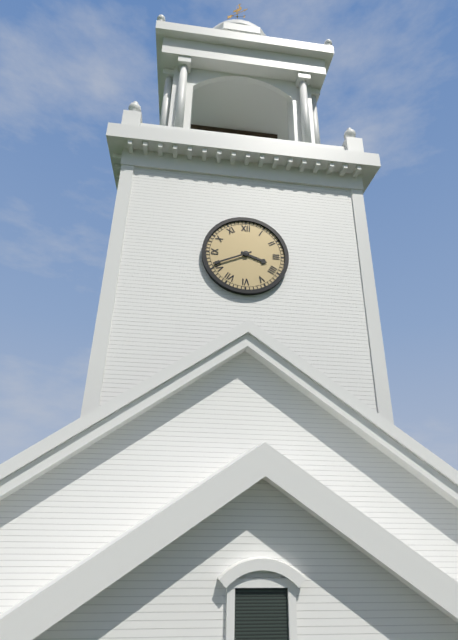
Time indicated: **3:41**
